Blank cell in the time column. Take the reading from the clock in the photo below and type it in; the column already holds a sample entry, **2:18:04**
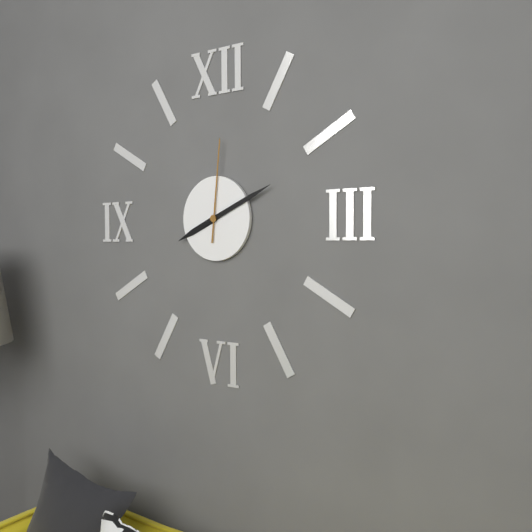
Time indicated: **8:11:01**
